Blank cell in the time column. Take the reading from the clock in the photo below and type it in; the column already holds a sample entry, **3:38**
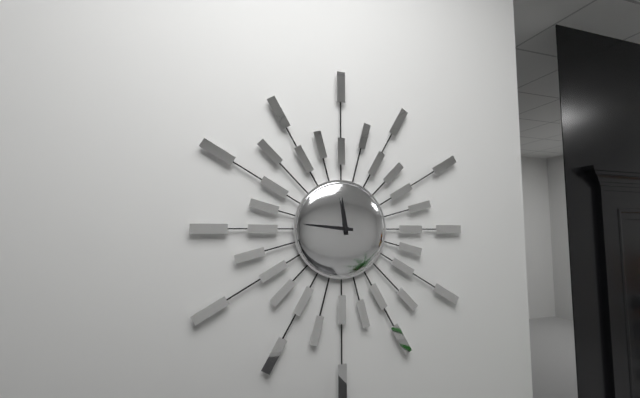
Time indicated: **11:46**
